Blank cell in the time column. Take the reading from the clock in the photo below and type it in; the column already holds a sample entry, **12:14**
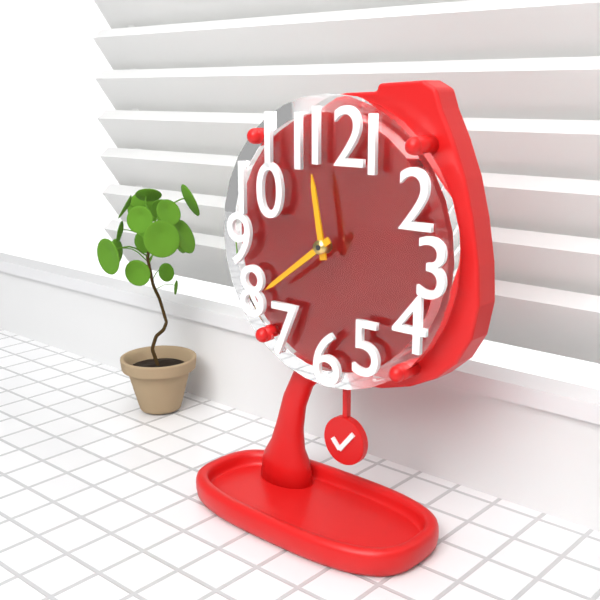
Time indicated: **11:39**
